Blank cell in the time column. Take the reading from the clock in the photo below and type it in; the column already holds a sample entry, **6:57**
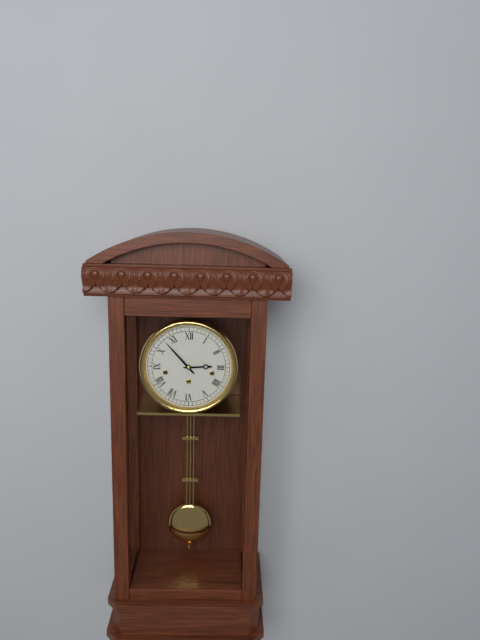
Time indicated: **2:53**
